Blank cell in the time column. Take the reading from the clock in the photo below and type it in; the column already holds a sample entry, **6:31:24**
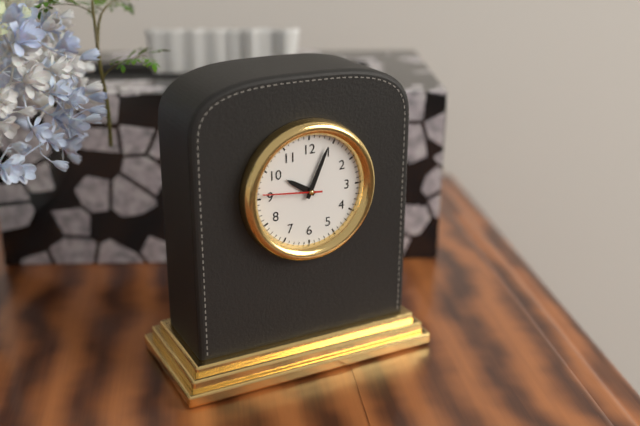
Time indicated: **10:04:46**
